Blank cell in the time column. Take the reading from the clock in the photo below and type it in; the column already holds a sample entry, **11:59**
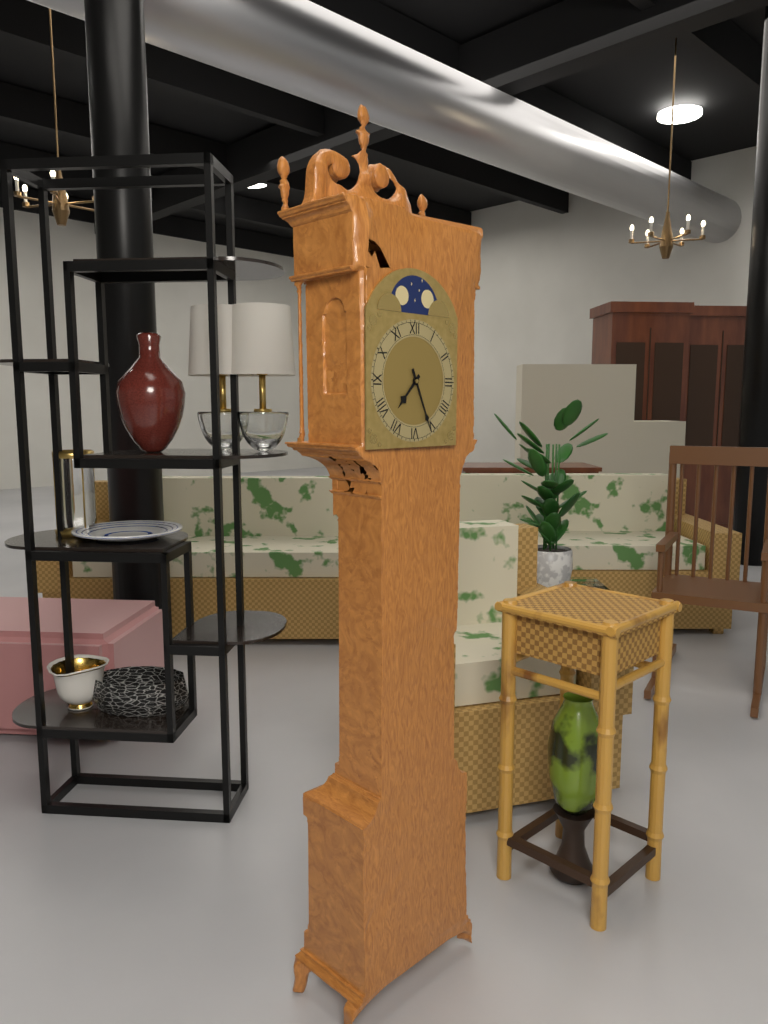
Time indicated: **7:26**
